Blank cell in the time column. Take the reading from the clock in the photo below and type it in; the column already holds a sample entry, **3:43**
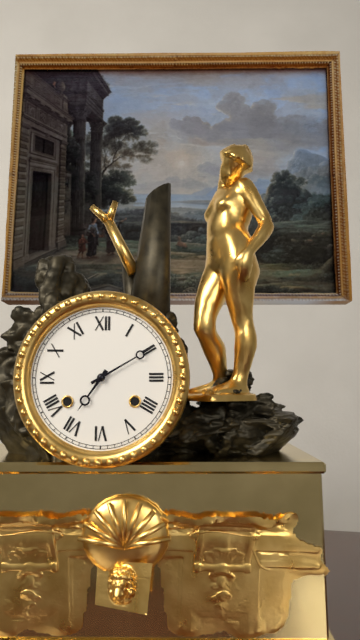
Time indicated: **7:10**
